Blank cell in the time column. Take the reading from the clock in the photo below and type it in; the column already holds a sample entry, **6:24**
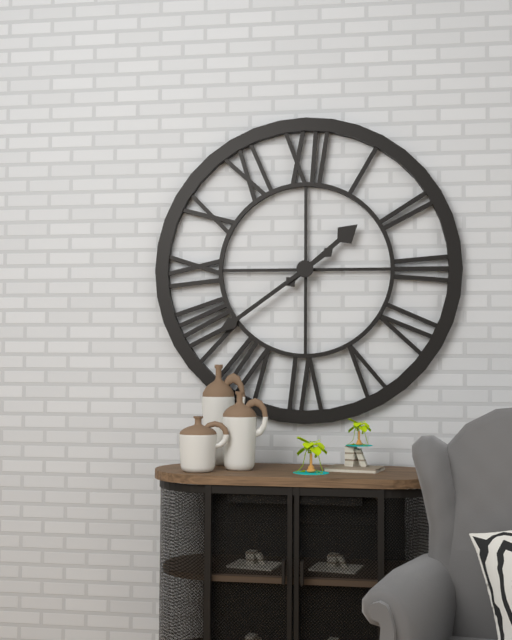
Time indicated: **1:39**
